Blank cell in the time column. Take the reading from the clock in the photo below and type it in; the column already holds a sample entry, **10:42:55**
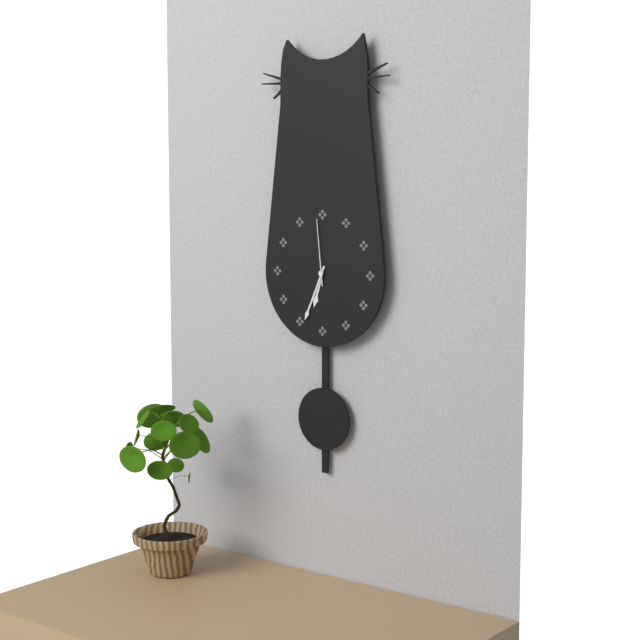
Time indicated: **6:34:59**
